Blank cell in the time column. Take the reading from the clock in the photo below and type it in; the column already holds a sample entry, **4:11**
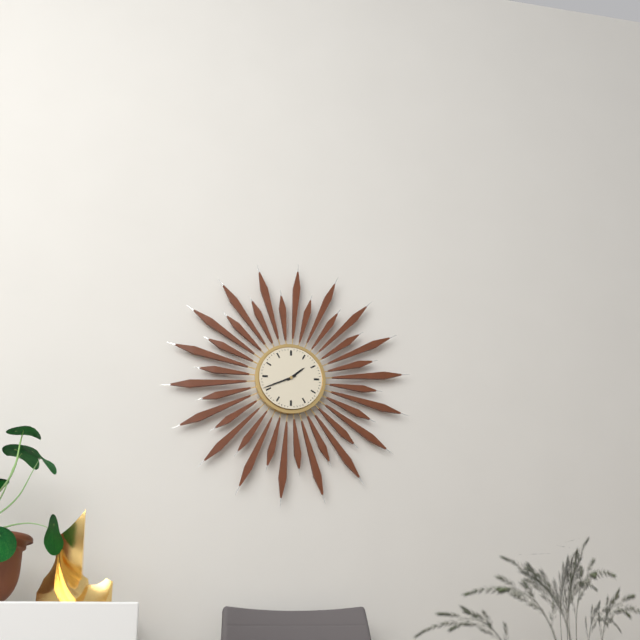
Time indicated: **1:41**
